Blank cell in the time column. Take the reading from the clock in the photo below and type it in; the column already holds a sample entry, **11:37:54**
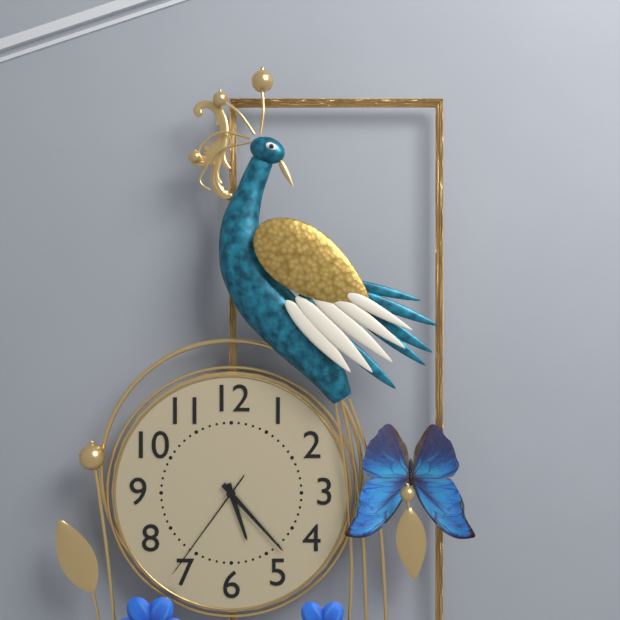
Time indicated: **5:23:36**
